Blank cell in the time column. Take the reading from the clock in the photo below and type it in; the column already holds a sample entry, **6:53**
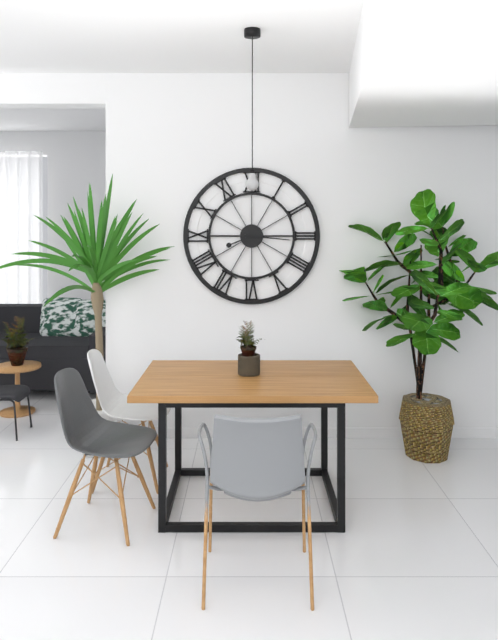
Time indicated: **8:16**
